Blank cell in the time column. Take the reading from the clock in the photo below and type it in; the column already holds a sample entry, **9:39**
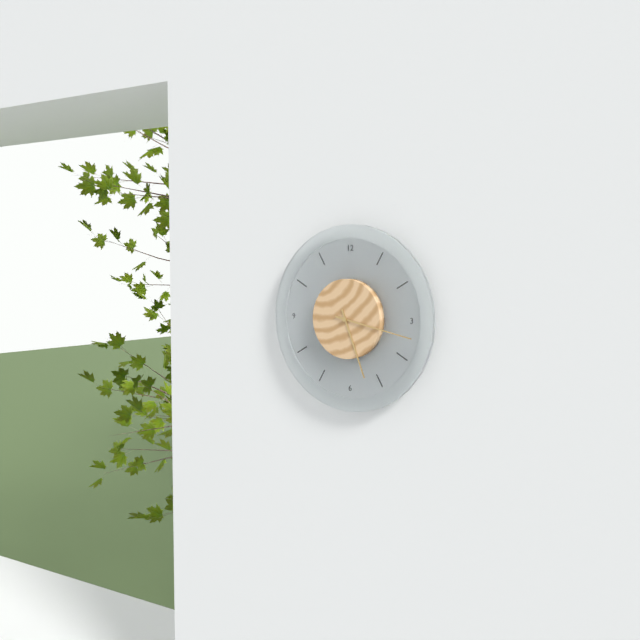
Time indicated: **5:17**
